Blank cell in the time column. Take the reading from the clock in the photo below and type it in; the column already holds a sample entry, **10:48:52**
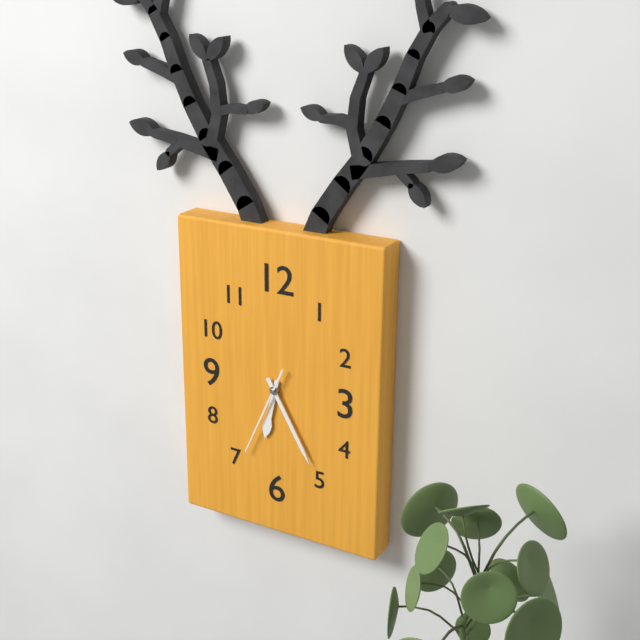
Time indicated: **6:25:34**
